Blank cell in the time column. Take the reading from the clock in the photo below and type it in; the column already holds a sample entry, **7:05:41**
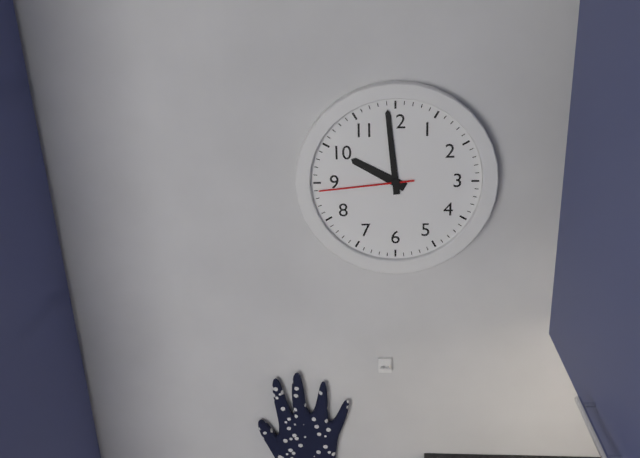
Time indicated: **9:59:44**
